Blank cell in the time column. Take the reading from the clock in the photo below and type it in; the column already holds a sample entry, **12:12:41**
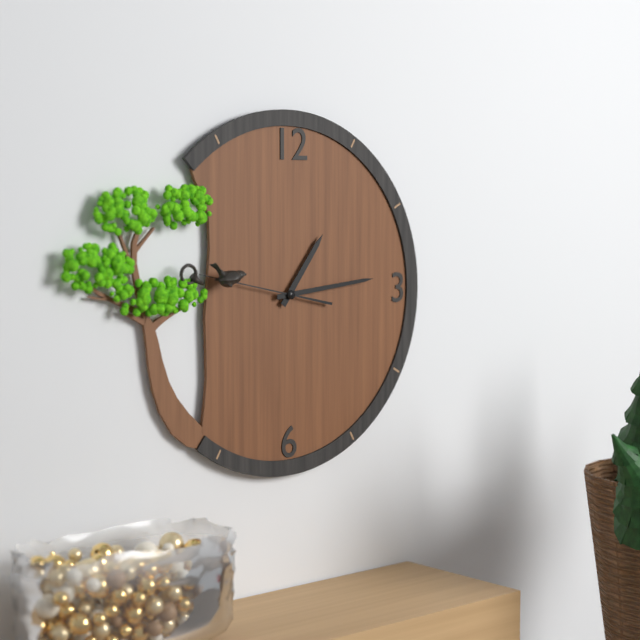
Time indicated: **1:14:47**
